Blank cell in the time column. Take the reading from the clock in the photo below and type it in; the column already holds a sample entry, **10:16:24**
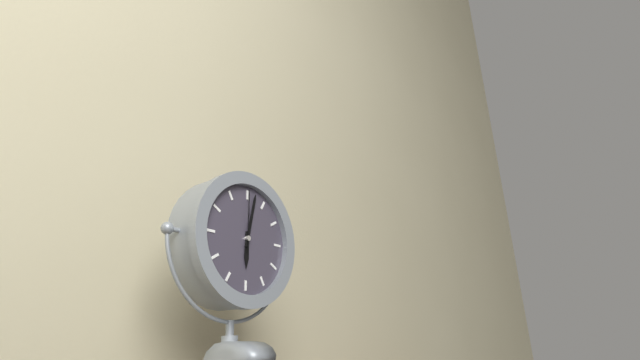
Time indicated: **6:02:00**
